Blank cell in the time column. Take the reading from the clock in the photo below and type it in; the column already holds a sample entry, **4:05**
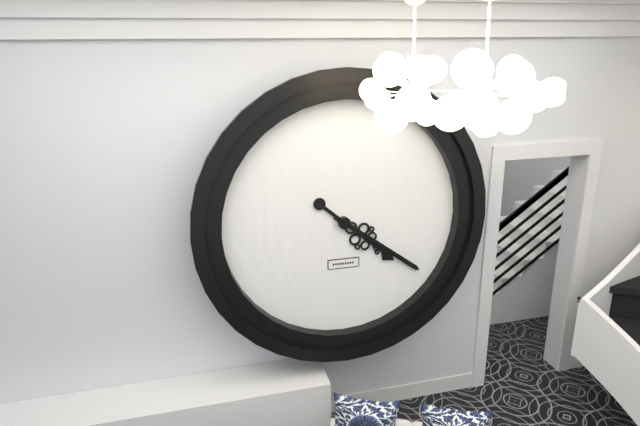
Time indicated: **4:21**
